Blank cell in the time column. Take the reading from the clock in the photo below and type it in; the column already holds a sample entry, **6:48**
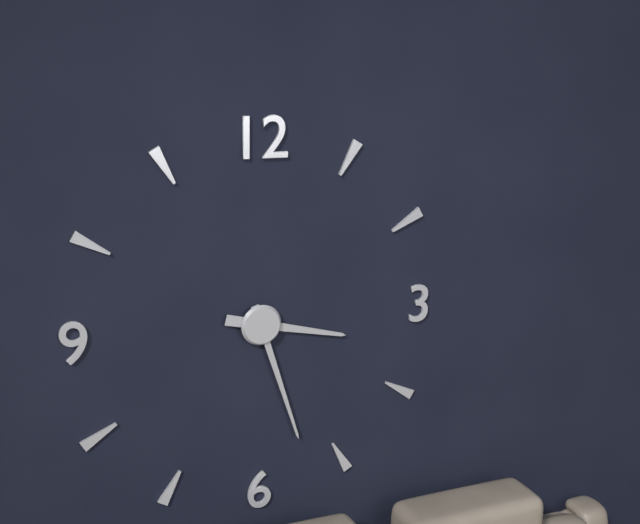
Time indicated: **3:27**
